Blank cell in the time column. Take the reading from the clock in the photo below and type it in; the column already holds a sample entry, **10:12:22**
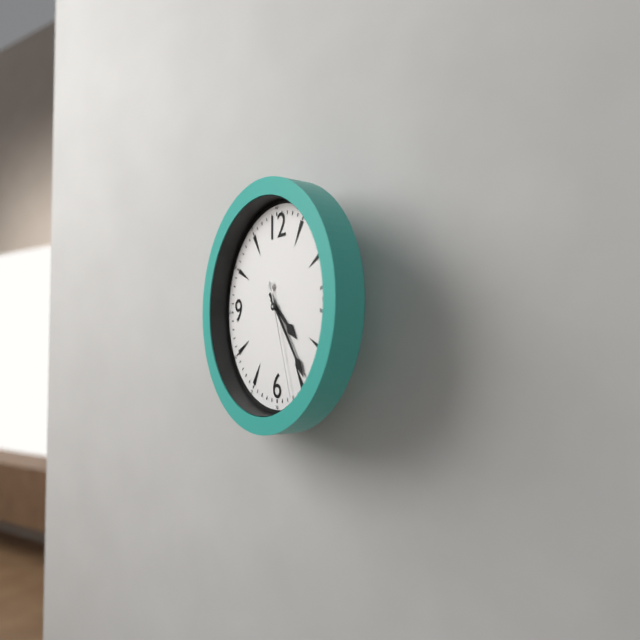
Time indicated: **4:24:27**
